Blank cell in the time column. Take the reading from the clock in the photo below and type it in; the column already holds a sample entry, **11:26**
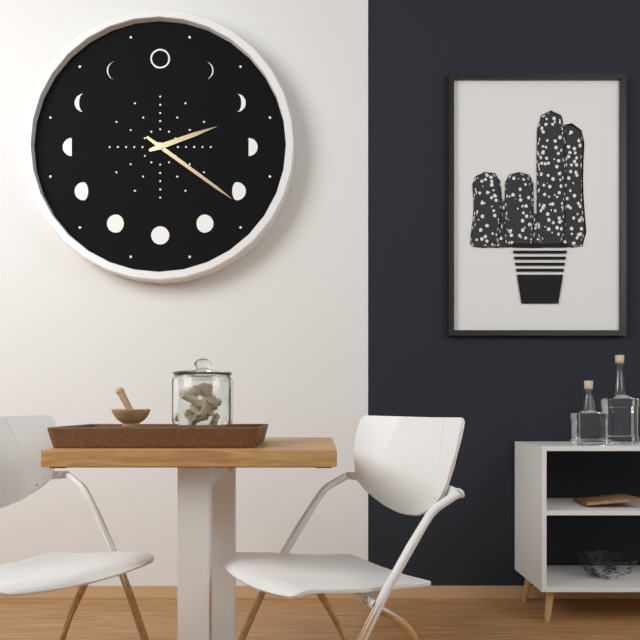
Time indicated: **2:21**
